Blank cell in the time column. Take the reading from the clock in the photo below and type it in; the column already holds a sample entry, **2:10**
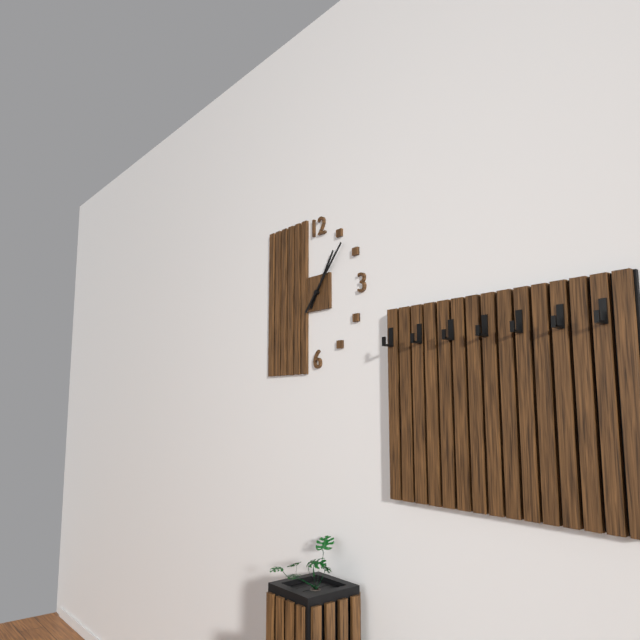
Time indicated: **1:07**
